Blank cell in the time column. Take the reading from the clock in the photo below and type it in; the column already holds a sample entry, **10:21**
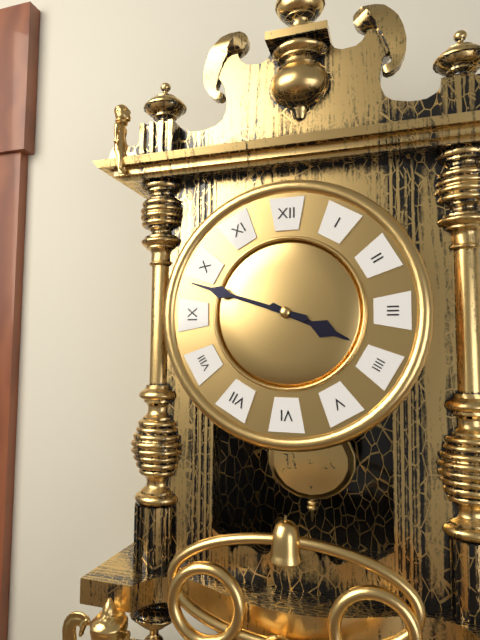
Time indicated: **3:48**
